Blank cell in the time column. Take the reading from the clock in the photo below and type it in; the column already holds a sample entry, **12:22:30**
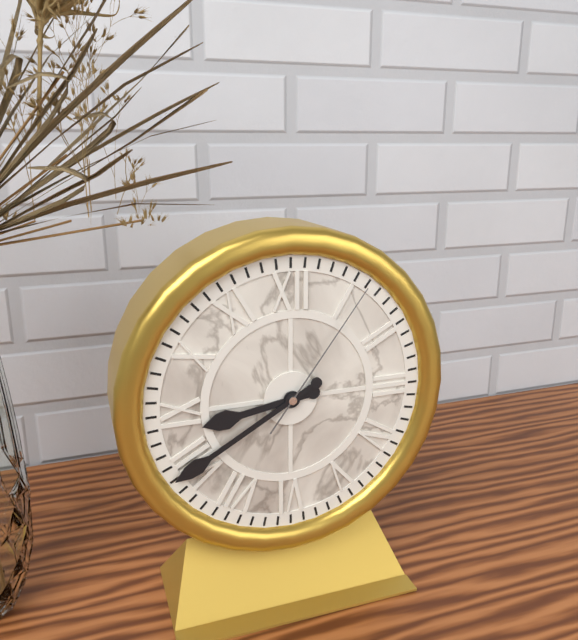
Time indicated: **8:40:06**
